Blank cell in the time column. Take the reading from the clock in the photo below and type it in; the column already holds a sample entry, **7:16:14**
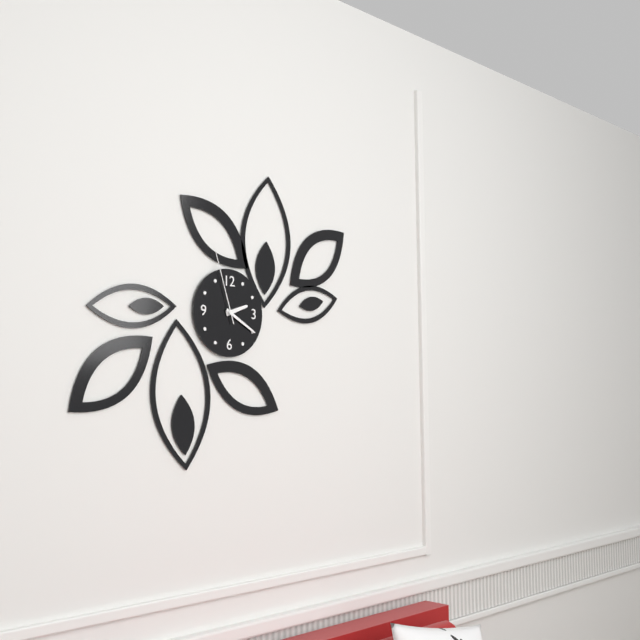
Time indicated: **2:20:57**
